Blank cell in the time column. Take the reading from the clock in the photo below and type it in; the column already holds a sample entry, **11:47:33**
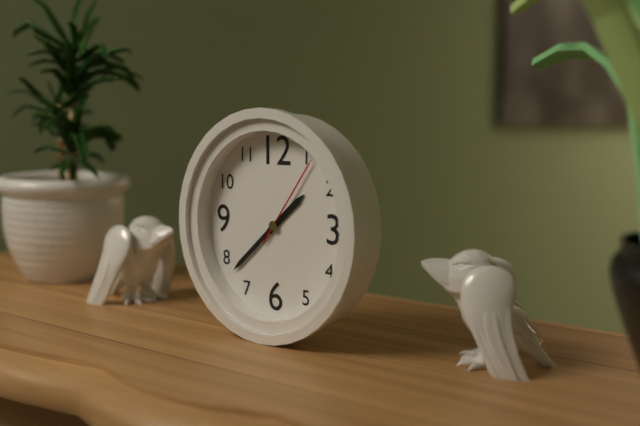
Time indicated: **1:38:06**
